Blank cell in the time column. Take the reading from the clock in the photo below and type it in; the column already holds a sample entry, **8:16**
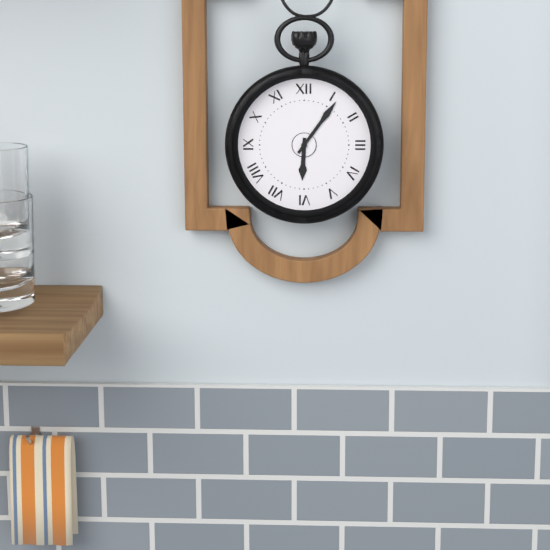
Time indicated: **6:06**
